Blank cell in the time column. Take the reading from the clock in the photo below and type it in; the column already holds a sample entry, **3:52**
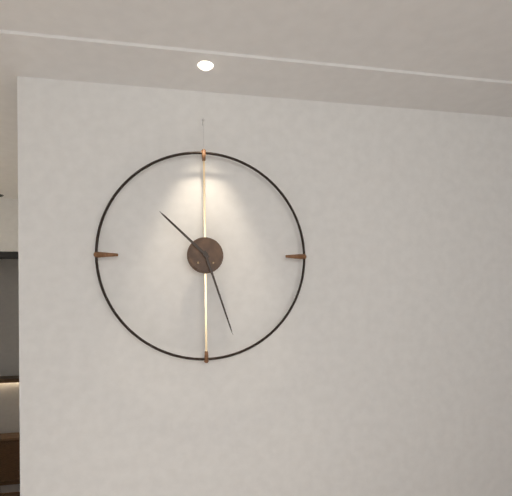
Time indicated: **10:27**
